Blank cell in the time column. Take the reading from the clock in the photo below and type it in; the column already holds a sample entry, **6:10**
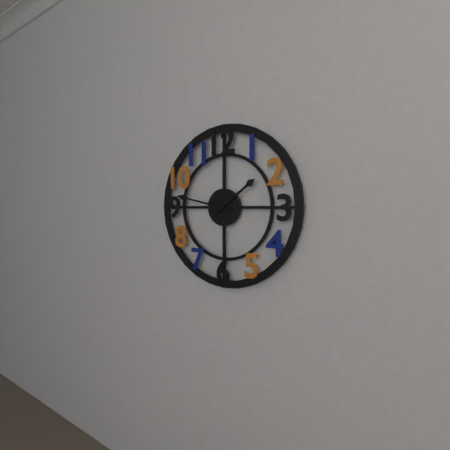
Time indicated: **1:47**
